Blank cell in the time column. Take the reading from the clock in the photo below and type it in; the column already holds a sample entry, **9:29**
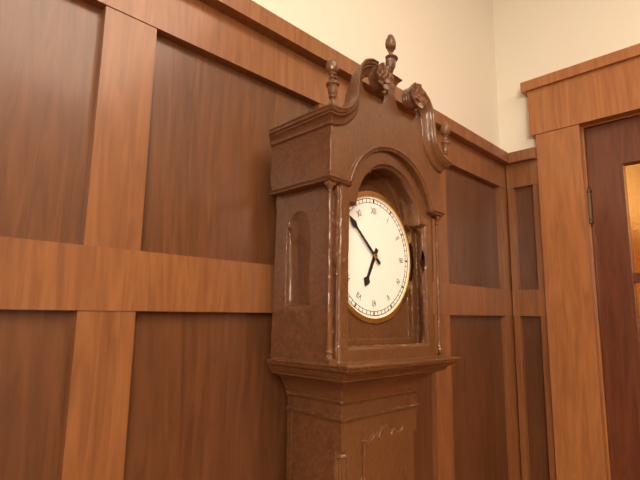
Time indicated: **6:52**
